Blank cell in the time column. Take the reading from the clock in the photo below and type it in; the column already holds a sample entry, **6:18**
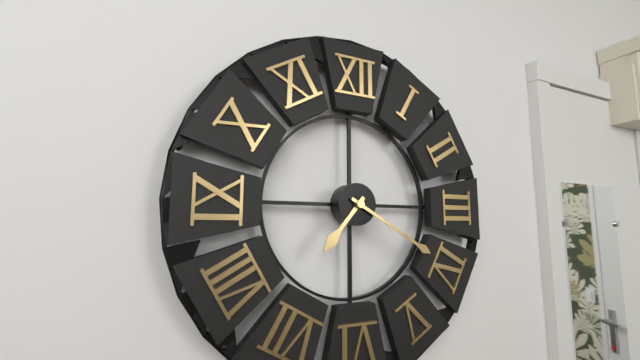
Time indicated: **7:20**
